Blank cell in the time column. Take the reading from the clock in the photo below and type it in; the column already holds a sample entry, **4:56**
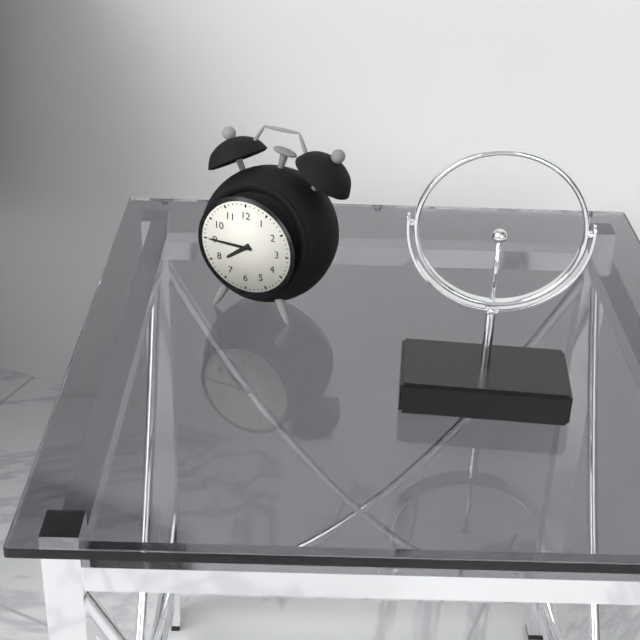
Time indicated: **7:45**
